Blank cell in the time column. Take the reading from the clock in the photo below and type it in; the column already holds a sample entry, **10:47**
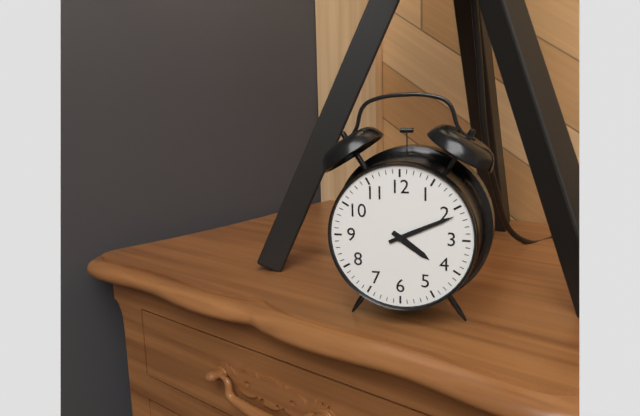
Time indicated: **4:11**
